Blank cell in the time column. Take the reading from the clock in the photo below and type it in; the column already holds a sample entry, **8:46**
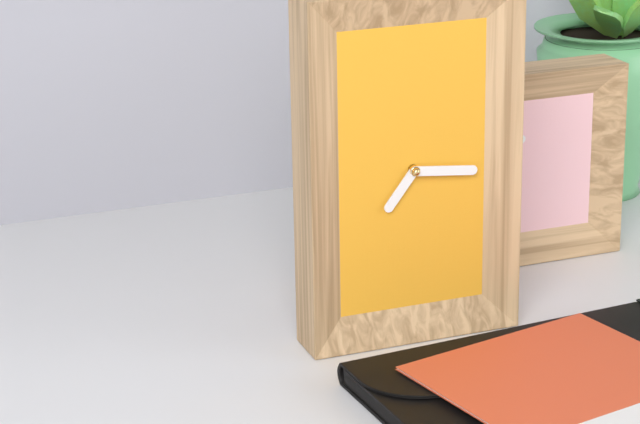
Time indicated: **7:16**
